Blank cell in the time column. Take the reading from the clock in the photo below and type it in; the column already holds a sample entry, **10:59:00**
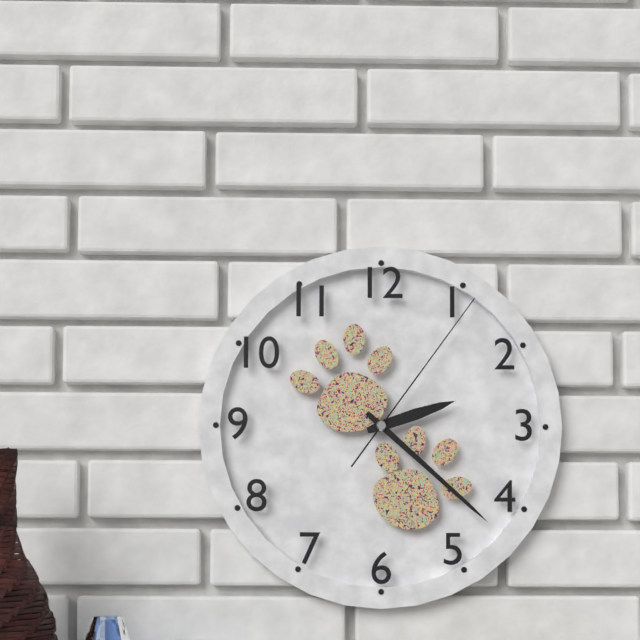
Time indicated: **2:22:06**
